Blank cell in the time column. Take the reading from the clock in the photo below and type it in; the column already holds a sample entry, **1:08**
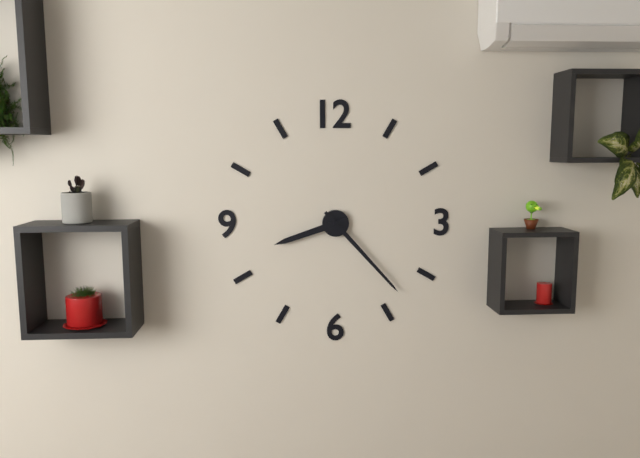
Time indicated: **8:23**
